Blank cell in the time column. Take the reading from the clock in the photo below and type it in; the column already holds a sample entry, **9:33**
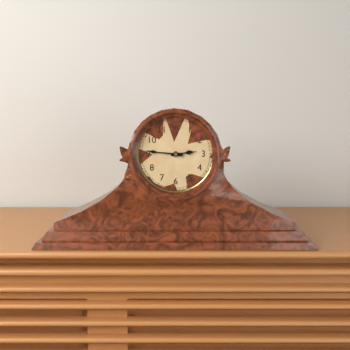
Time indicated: **2:46**
